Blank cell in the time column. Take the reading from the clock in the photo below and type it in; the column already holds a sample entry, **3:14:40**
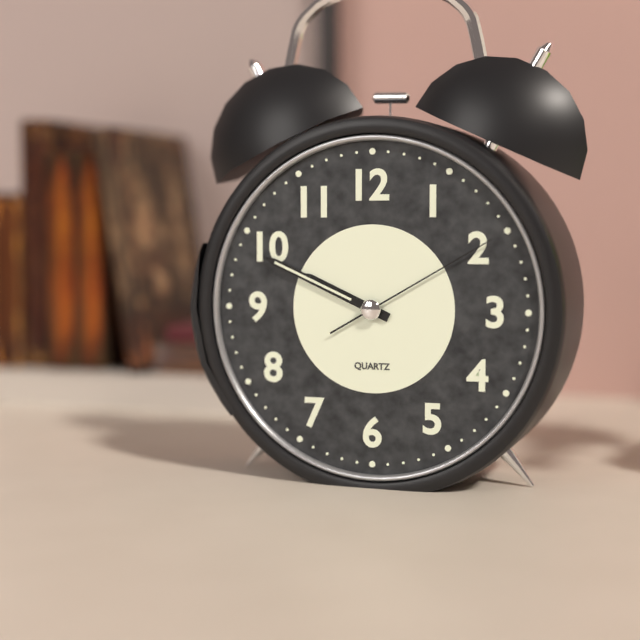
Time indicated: **9:49:10**
